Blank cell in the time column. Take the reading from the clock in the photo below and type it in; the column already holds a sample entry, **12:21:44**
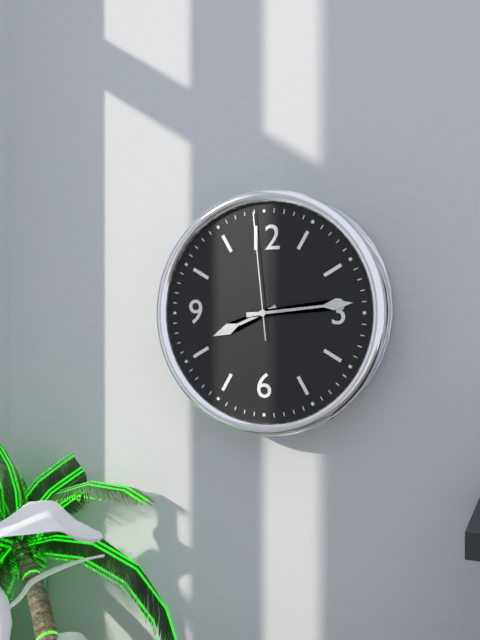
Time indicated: **8:14:59**
